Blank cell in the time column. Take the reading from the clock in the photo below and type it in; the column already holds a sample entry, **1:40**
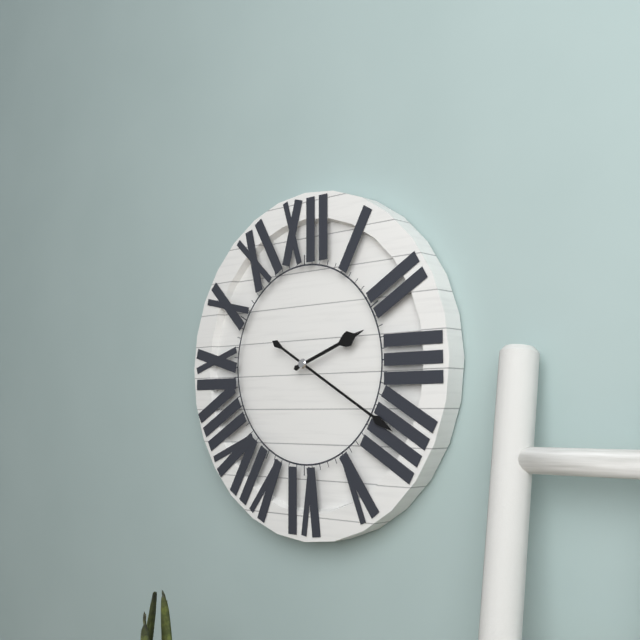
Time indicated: **2:20**
